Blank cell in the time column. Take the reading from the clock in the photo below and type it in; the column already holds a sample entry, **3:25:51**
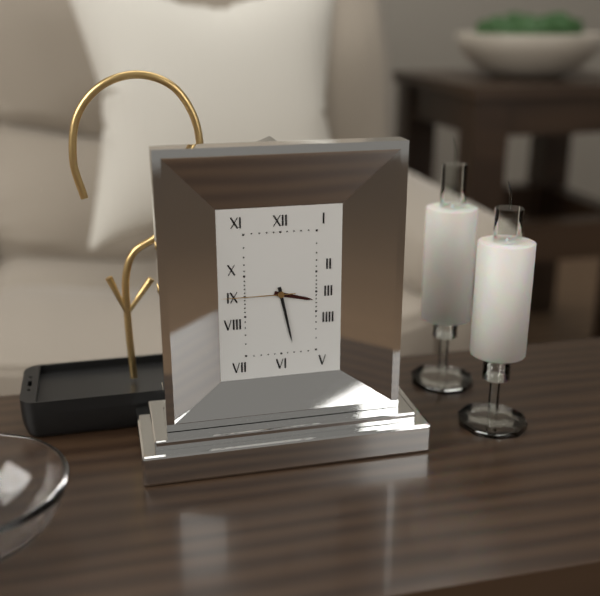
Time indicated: **3:28:45**
